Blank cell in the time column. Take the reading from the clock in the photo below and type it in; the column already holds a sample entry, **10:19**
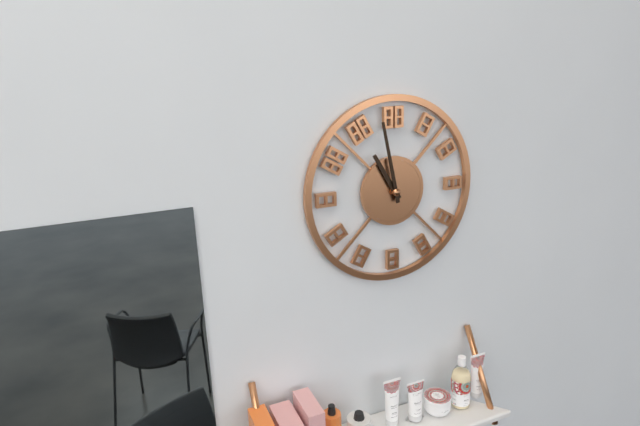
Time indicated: **10:58**
